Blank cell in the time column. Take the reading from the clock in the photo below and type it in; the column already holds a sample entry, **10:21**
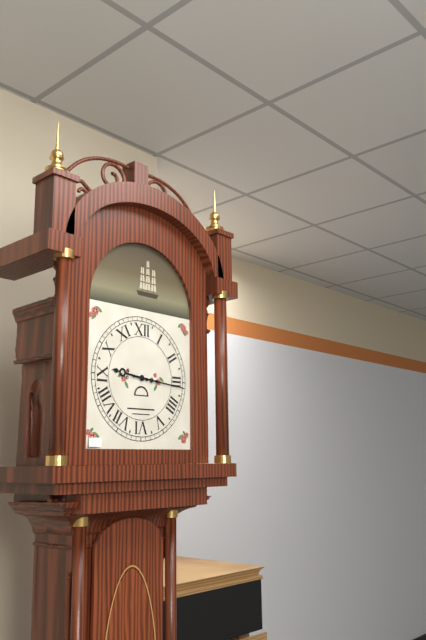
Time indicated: **9:16**
